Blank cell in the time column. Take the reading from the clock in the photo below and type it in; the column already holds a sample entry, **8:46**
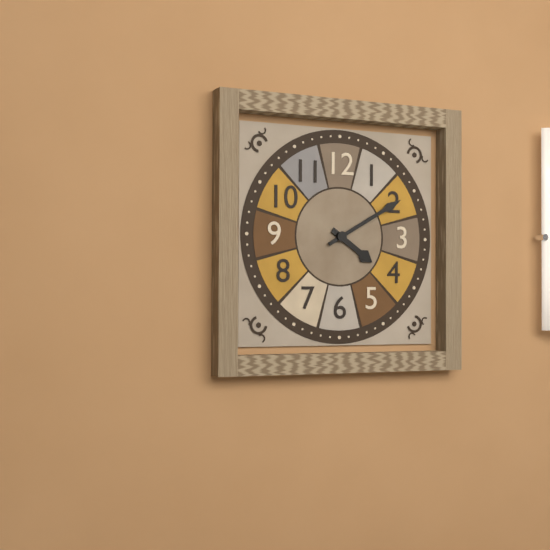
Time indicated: **4:10**
